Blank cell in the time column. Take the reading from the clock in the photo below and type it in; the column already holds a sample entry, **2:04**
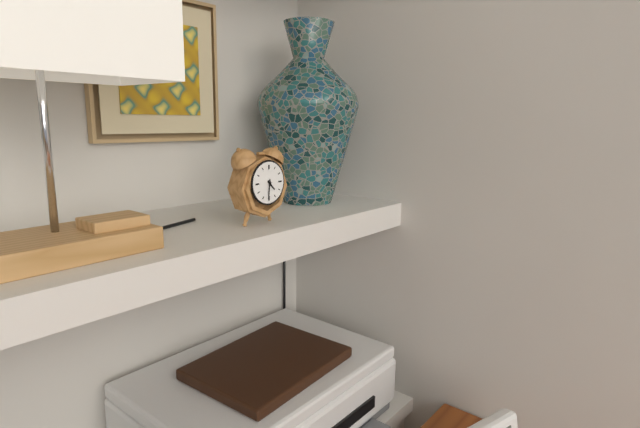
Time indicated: **4:31**
